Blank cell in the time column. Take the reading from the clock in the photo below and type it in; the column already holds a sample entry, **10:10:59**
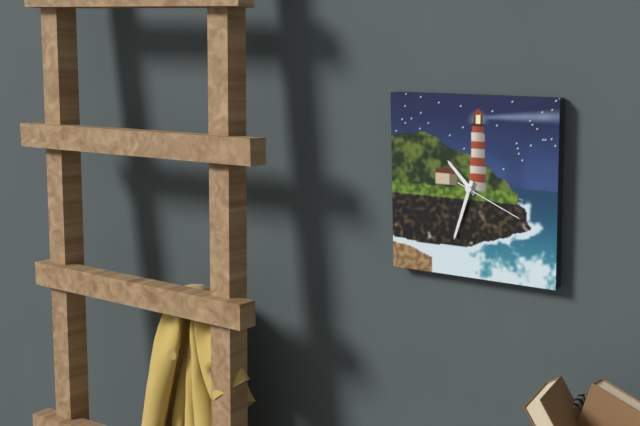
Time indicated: **10:33:19**
